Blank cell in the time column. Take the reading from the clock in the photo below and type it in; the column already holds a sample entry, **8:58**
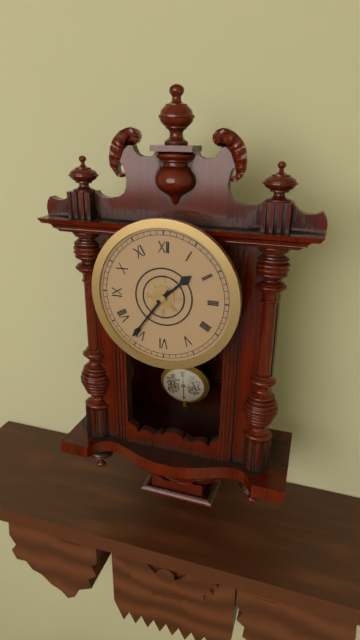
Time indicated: **1:36**
